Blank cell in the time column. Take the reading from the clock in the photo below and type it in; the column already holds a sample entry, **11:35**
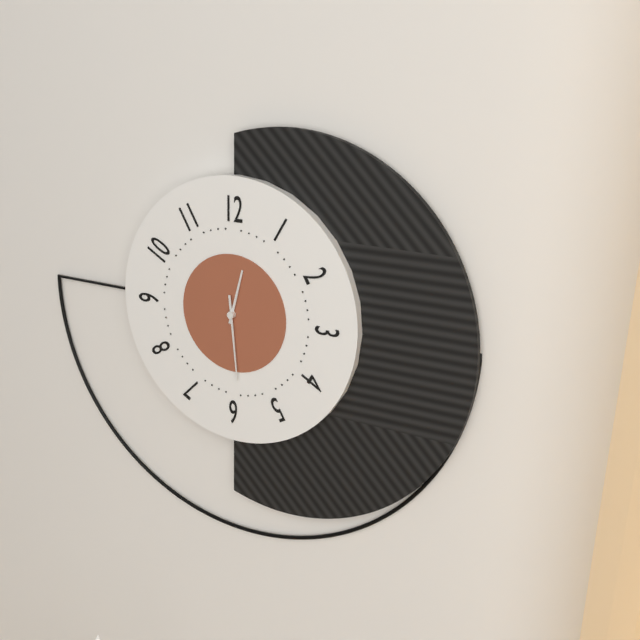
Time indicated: **12:29**
